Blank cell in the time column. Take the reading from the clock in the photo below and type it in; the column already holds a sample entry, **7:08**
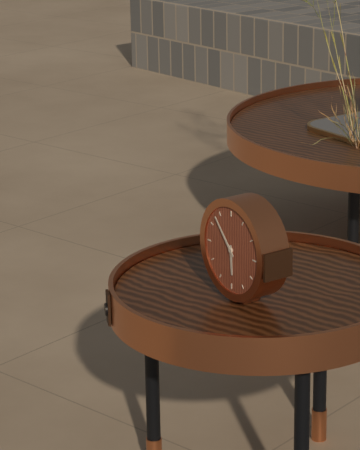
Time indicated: **5:53**
